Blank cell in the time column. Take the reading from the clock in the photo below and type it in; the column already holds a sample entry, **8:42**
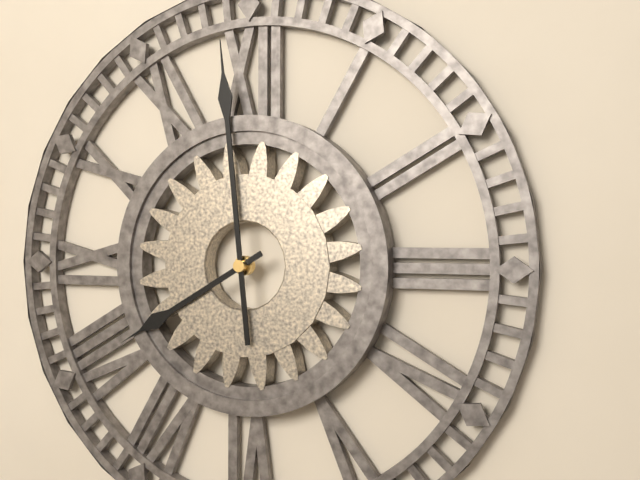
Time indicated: **7:59**
